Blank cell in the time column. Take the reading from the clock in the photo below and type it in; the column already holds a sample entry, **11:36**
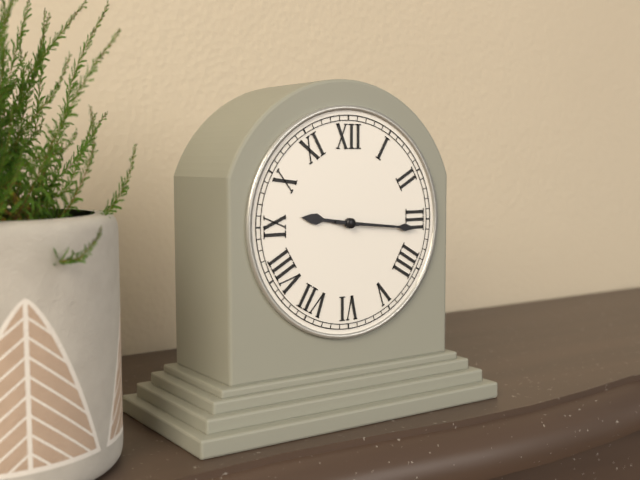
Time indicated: **9:16**
